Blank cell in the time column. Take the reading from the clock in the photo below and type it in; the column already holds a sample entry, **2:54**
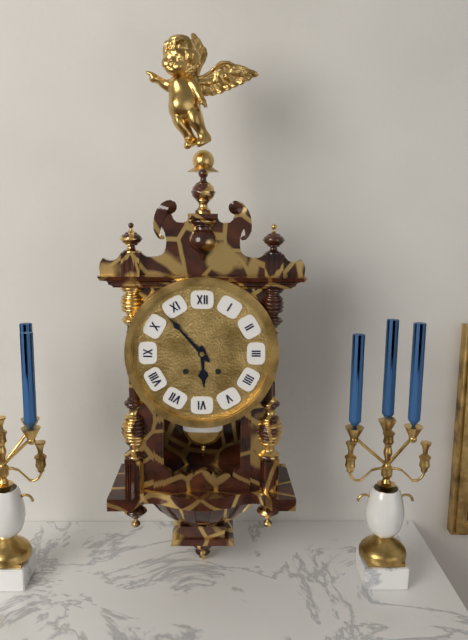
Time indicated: **5:53**
